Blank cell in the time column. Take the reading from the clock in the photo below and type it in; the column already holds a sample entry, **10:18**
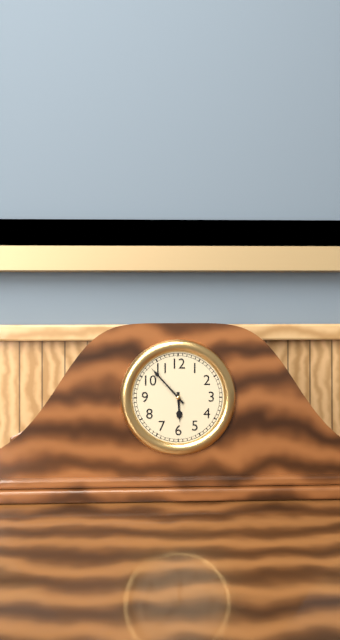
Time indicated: **5:53**
